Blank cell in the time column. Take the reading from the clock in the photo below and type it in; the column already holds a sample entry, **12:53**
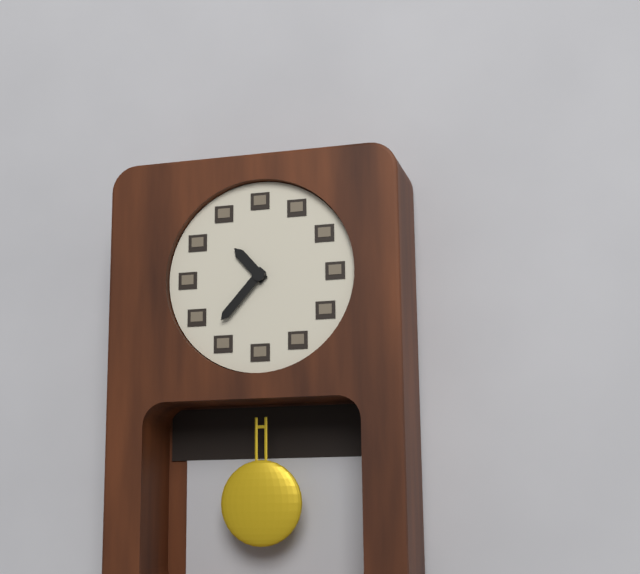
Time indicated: **10:37**
